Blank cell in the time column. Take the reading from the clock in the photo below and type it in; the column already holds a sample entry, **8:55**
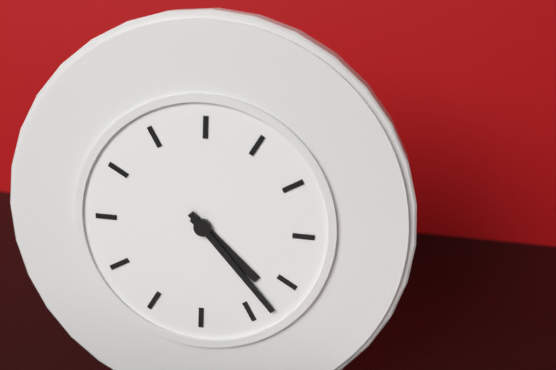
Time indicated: **4:23**
